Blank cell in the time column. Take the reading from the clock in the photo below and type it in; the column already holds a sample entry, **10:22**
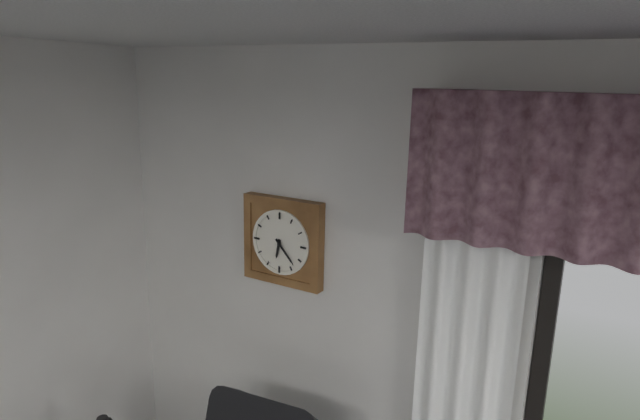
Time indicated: **6:23**
